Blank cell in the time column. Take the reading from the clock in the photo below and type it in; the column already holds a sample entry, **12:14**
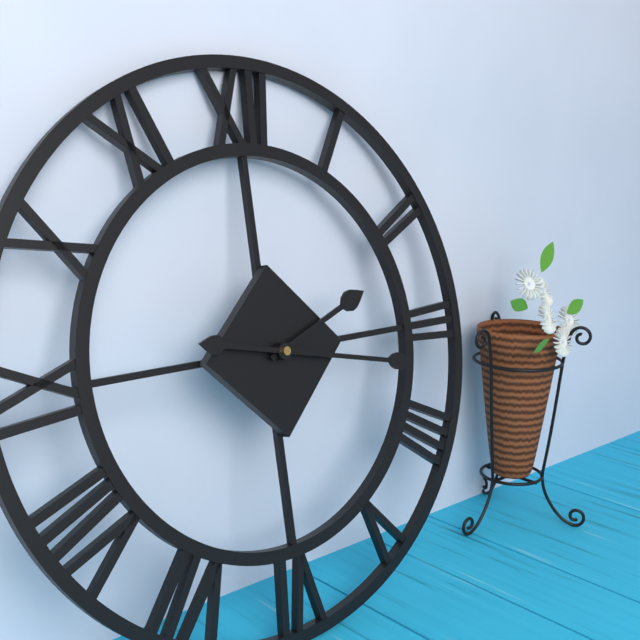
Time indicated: **2:17**
